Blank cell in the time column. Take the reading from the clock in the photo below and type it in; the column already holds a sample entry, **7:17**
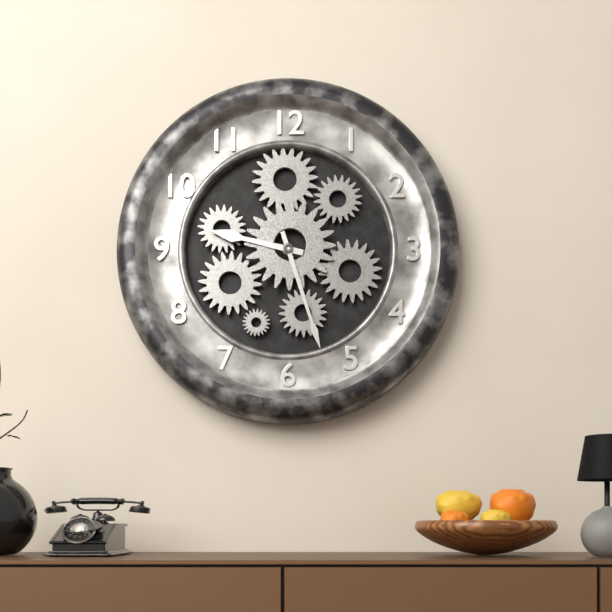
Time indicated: **9:27**
